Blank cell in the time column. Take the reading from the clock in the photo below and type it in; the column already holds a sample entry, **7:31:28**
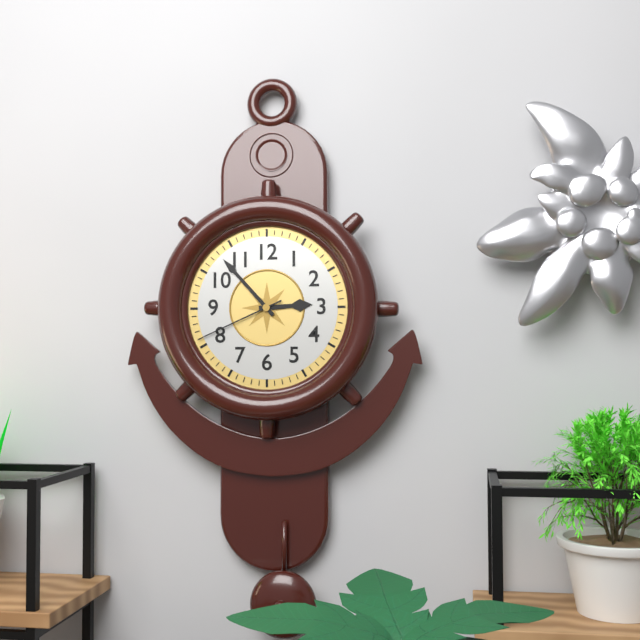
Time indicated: **2:53:41**
